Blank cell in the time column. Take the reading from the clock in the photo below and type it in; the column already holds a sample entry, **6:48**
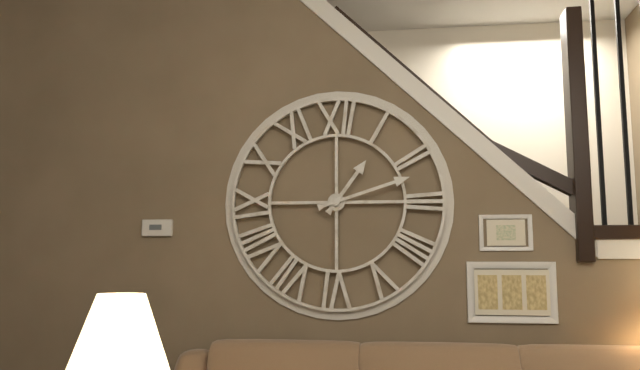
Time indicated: **1:12**
